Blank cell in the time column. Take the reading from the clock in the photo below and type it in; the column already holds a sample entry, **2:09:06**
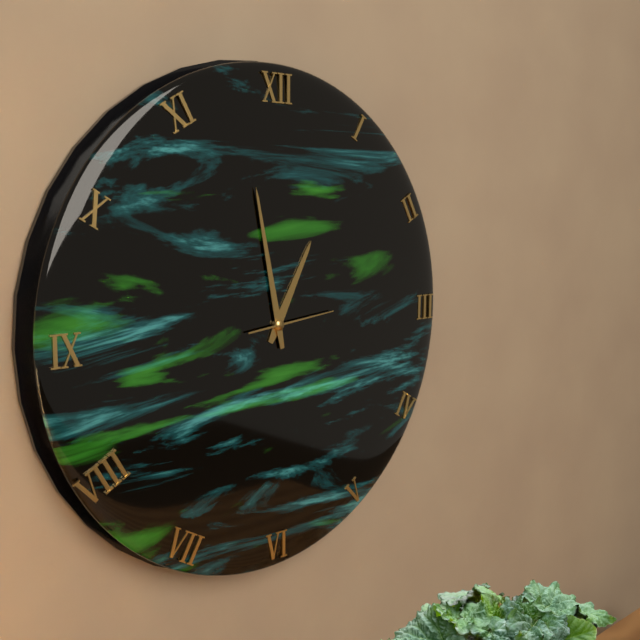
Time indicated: **12:58:14**
